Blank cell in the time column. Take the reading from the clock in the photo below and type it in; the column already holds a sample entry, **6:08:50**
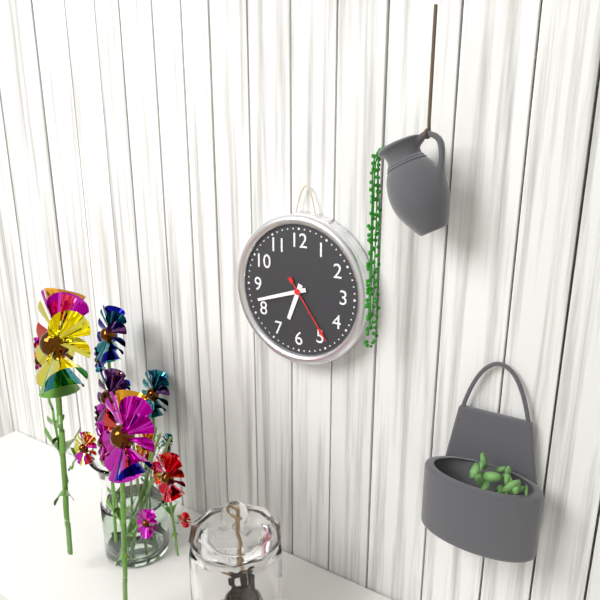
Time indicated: **6:42:24**
